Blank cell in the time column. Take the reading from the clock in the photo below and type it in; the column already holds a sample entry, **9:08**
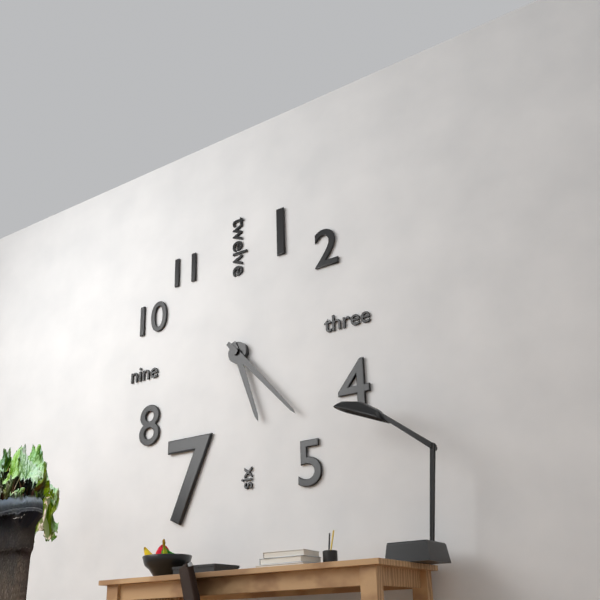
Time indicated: **5:23**
